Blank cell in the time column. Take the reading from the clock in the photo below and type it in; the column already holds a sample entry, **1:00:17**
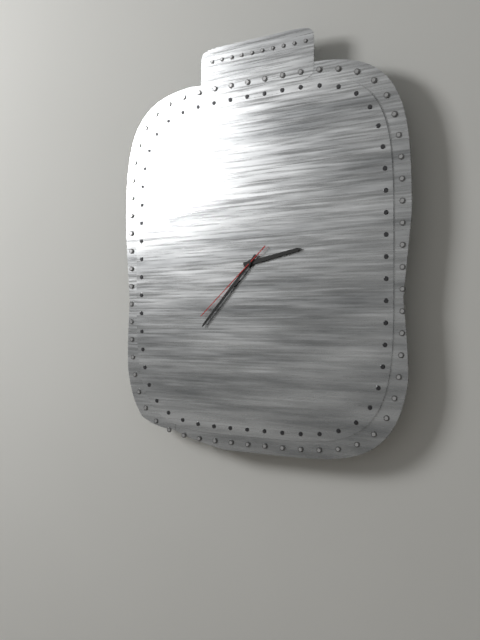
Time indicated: **2:37:38**
